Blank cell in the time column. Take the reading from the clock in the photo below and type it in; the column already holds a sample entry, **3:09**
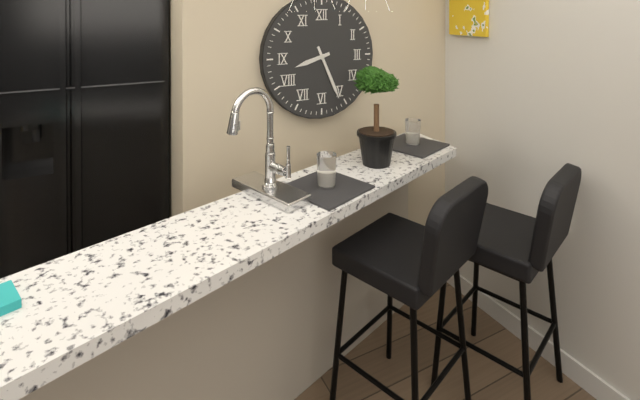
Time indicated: **8:26**
